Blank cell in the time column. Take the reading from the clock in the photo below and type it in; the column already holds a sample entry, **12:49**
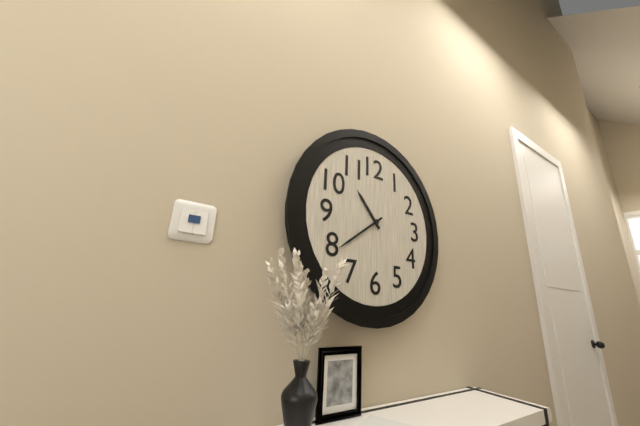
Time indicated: **10:39**
